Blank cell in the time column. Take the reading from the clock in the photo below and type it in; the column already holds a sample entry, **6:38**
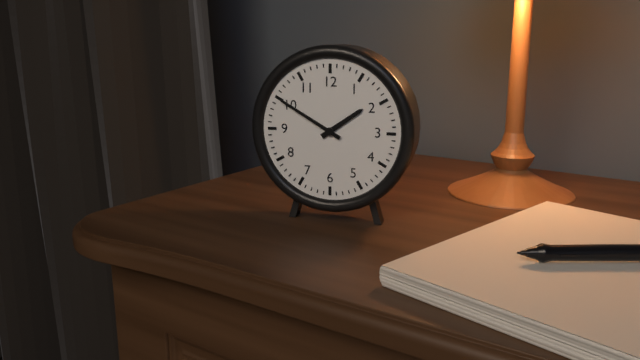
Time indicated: **1:50**
